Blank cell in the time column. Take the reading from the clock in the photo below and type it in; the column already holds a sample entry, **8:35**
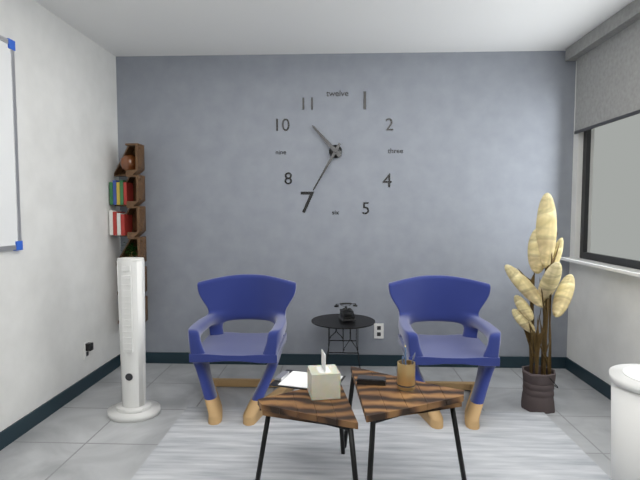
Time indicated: **10:35**
